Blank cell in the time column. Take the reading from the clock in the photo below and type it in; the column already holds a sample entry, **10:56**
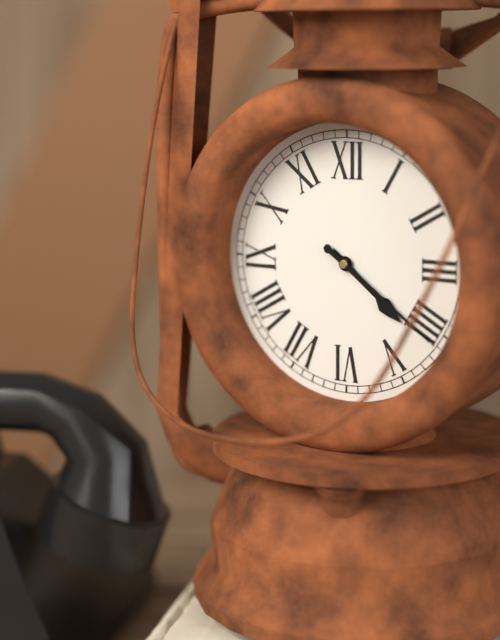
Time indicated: **4:21**
